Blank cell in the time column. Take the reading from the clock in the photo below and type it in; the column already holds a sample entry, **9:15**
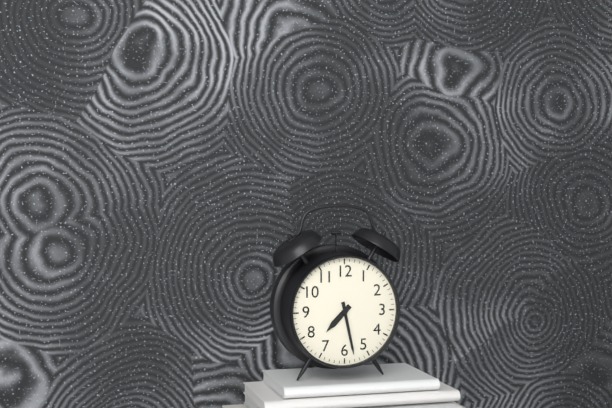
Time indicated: **7:28**
